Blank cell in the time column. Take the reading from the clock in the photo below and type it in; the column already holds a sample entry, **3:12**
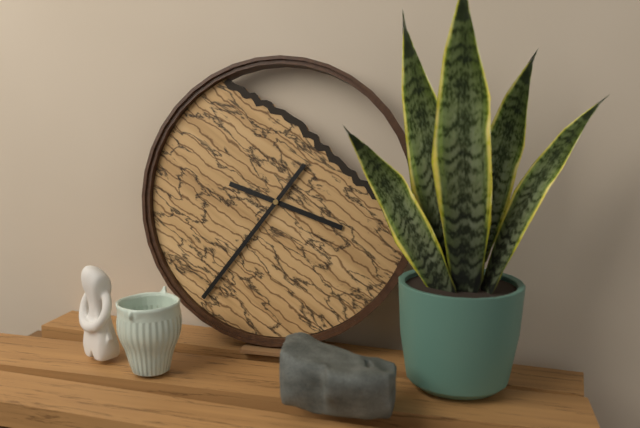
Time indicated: **3:36**
